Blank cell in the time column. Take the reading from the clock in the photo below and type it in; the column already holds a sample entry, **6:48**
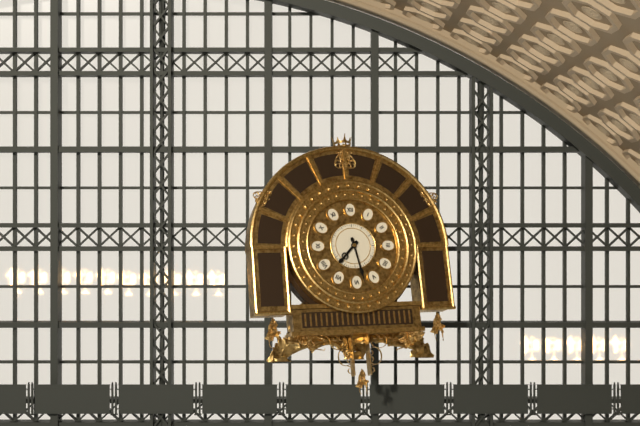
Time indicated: **7:28**
